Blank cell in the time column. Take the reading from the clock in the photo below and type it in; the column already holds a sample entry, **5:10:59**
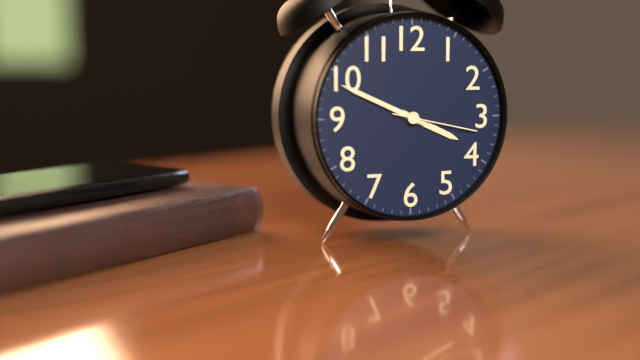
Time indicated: **3:49:17**
